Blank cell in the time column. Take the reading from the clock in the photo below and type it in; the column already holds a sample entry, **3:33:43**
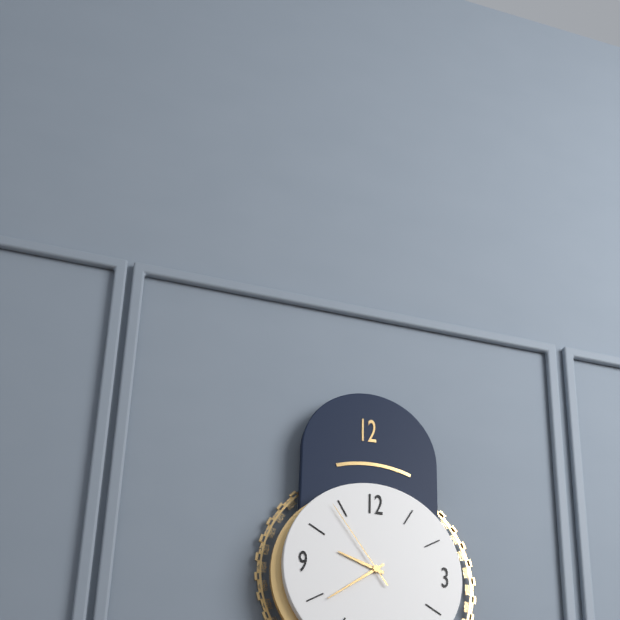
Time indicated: **9:39:54**
